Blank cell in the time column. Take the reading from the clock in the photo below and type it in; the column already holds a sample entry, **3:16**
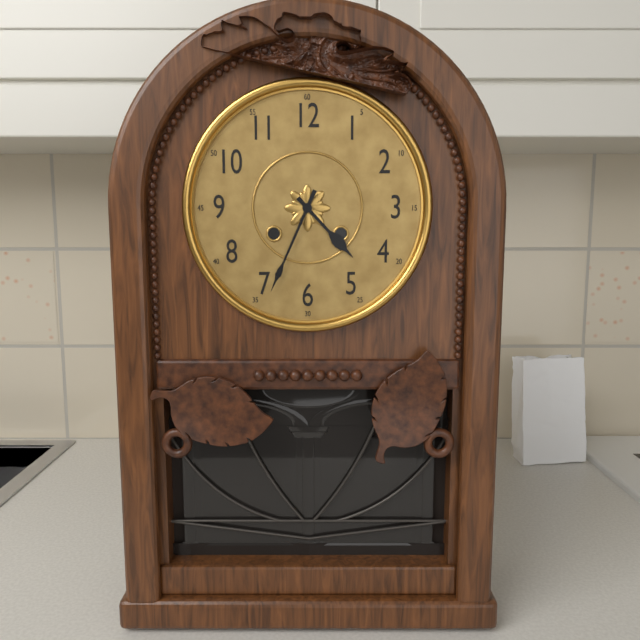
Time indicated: **4:34**
